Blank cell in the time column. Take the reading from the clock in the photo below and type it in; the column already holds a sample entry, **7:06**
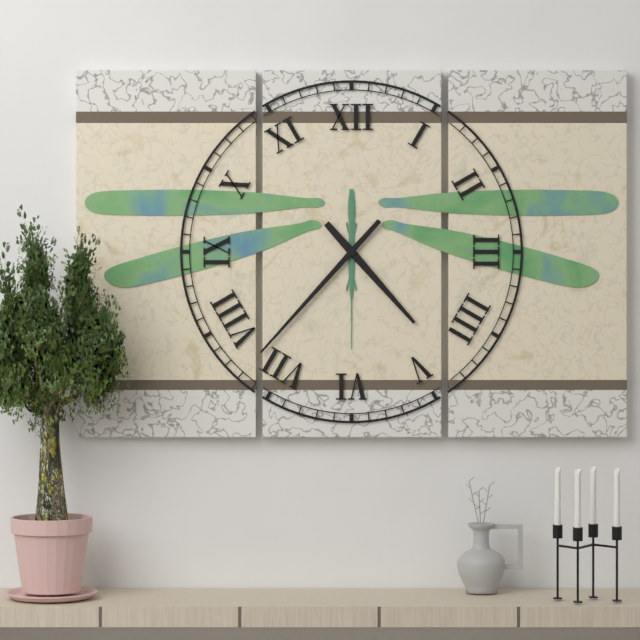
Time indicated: **4:37**
